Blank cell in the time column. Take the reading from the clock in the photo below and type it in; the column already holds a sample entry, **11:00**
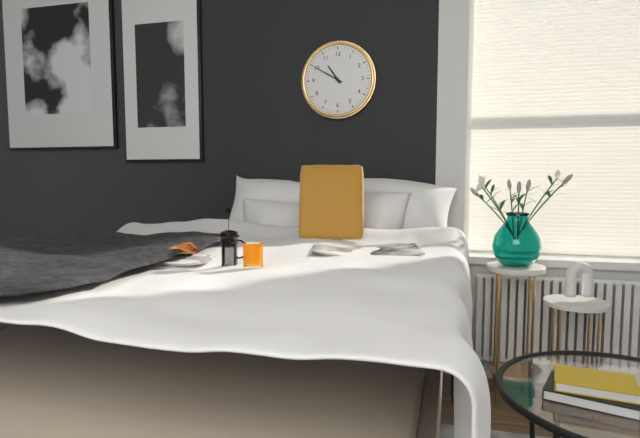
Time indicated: **10:50**
